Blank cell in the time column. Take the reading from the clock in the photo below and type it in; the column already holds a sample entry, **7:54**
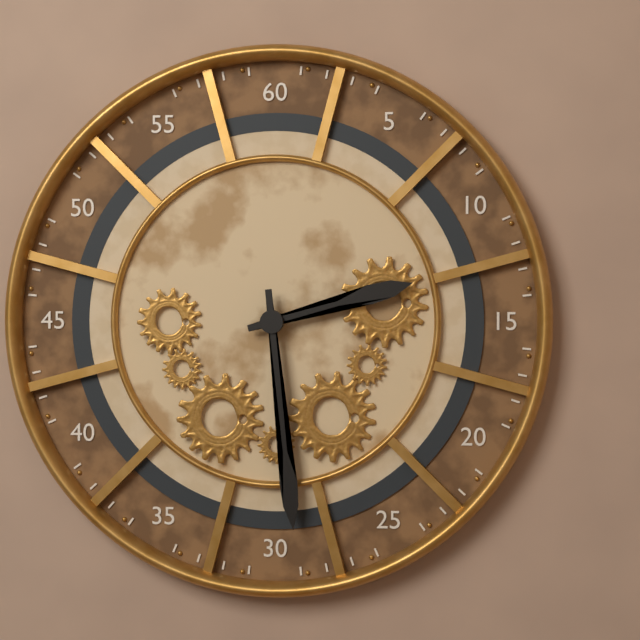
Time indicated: **2:29**
